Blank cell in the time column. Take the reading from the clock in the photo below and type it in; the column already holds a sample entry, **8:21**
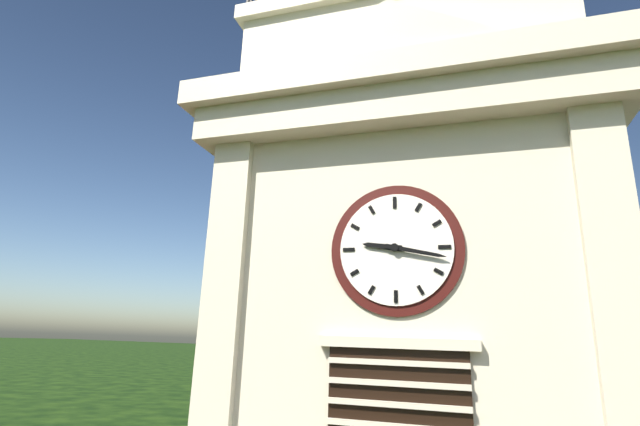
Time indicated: **9:17**
